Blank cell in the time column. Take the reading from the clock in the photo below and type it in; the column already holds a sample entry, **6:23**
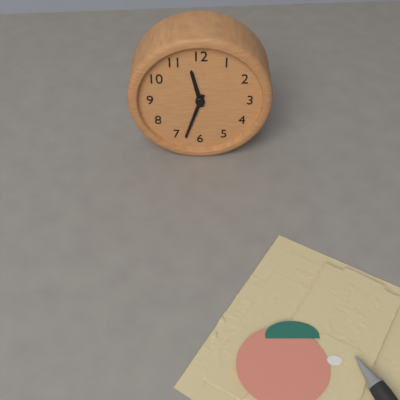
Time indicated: **11:33**
